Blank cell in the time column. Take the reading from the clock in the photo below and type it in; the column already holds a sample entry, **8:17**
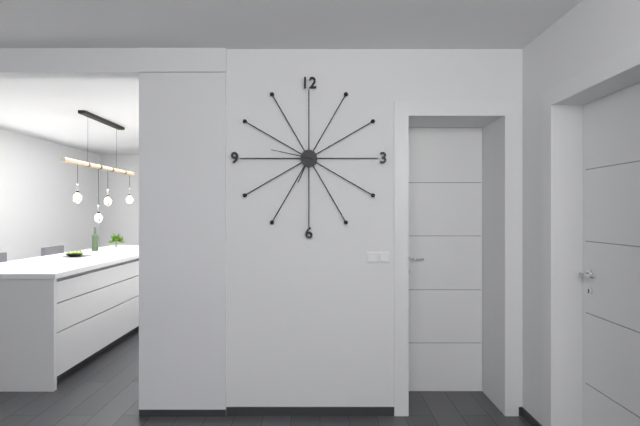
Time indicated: **6:47**
